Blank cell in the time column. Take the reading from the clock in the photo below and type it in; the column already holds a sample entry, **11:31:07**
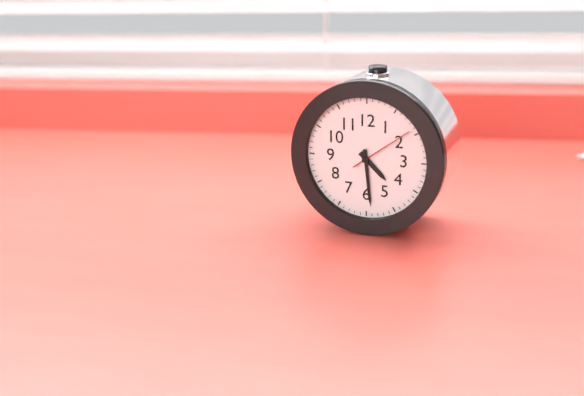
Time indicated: **4:29:09**
